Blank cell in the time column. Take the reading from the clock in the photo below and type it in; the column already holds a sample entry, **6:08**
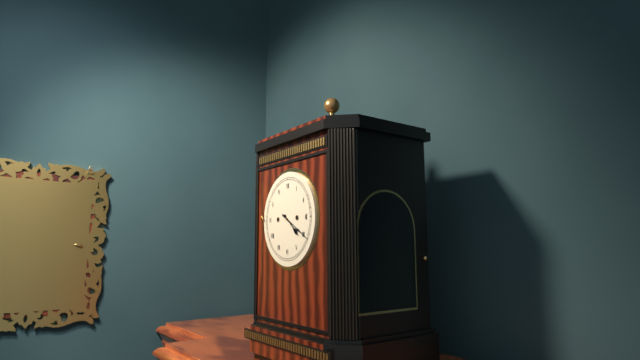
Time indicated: **4:20**
